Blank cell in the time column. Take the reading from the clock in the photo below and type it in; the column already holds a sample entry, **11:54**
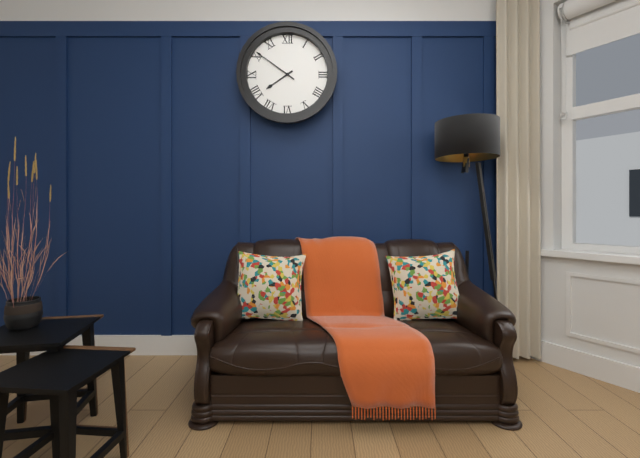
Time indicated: **7:51**
